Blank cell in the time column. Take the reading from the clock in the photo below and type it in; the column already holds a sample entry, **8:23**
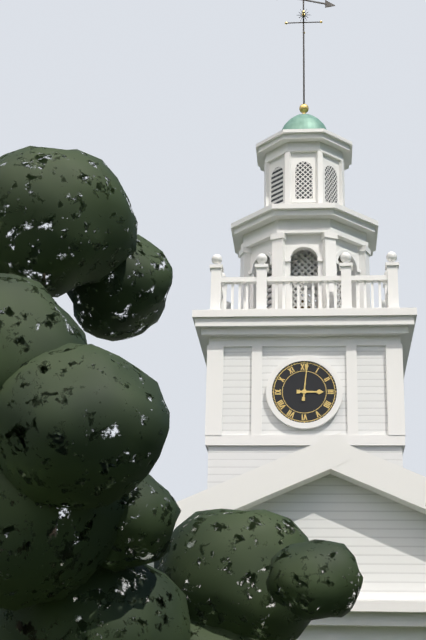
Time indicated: **3:01**
